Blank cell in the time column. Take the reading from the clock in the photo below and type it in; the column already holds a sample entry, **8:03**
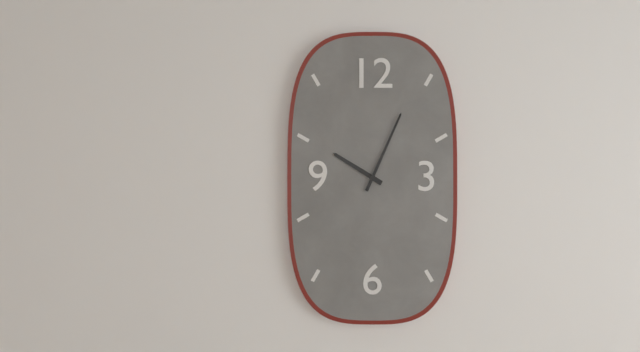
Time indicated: **10:04**
